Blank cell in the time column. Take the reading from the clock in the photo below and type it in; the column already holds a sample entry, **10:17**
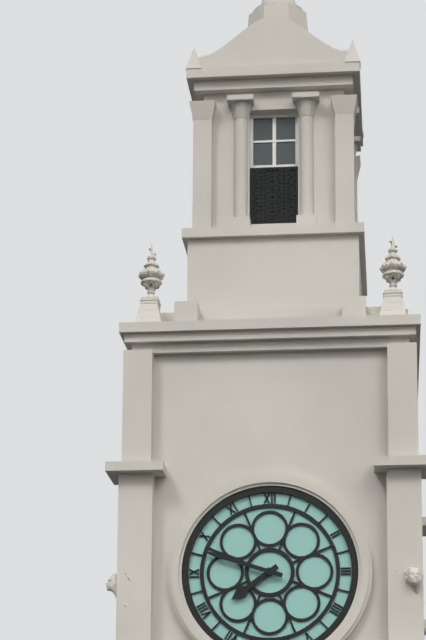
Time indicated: **7:48**
